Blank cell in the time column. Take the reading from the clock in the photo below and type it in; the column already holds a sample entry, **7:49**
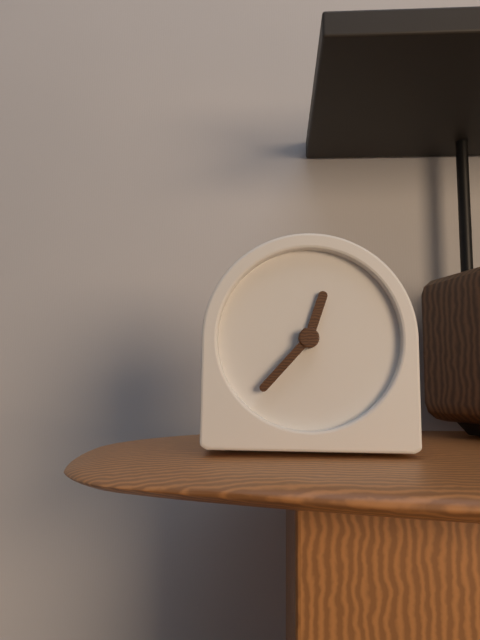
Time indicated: **12:37**
